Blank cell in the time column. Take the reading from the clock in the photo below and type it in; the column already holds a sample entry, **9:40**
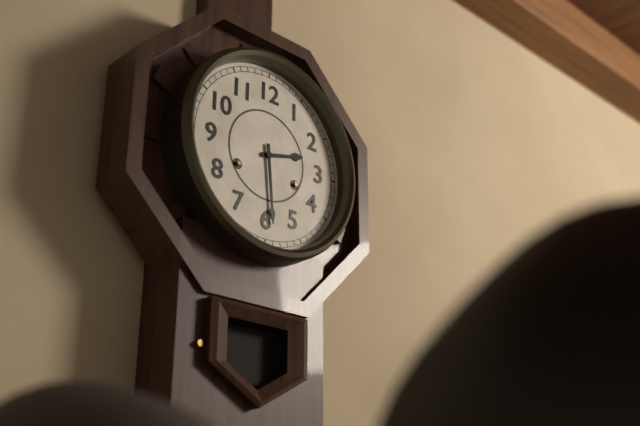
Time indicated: **2:29**
